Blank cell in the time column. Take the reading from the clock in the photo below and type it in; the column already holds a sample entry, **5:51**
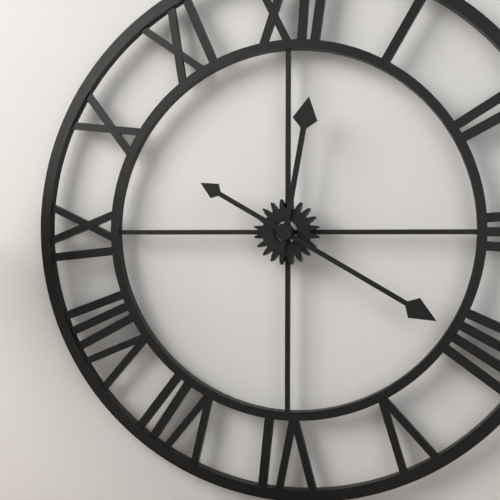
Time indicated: **12:20**
